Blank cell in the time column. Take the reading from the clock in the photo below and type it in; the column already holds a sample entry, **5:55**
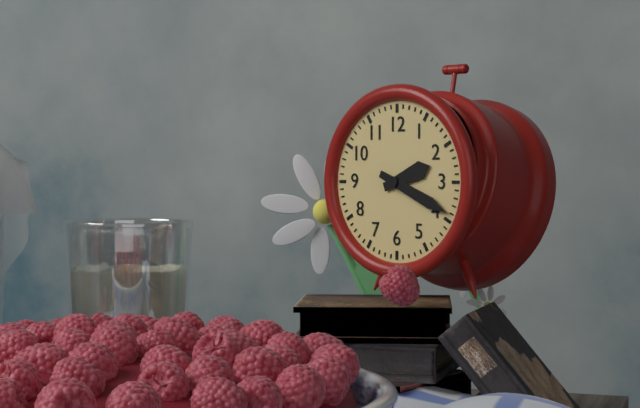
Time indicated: **2:19**
